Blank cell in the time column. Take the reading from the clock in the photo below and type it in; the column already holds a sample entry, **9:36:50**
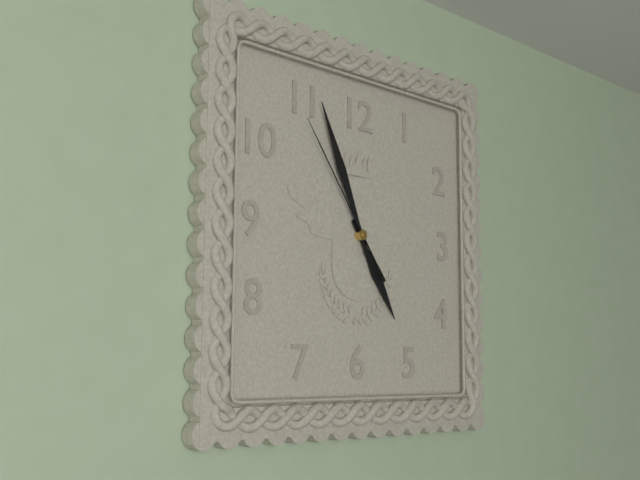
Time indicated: **4:56:54**
